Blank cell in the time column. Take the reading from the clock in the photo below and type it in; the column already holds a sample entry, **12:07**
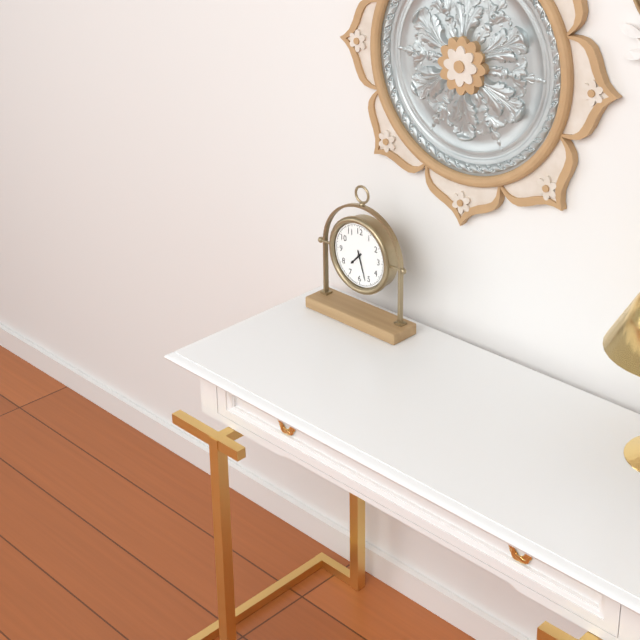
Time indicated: **7:27**
